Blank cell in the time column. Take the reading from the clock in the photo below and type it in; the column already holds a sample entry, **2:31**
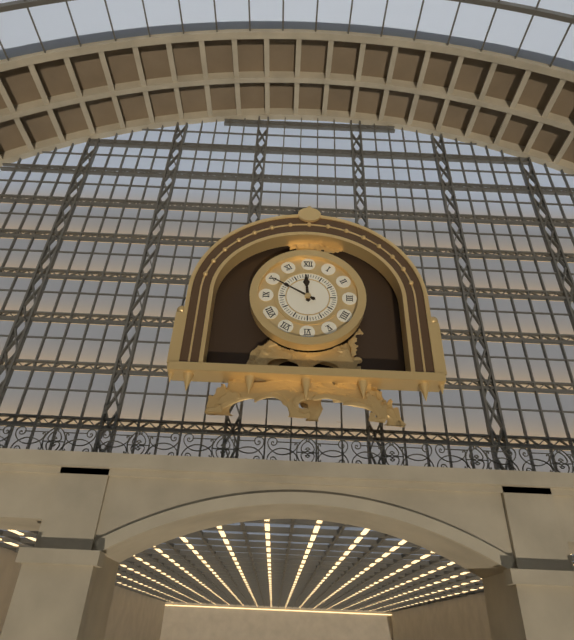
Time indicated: **11:50**
